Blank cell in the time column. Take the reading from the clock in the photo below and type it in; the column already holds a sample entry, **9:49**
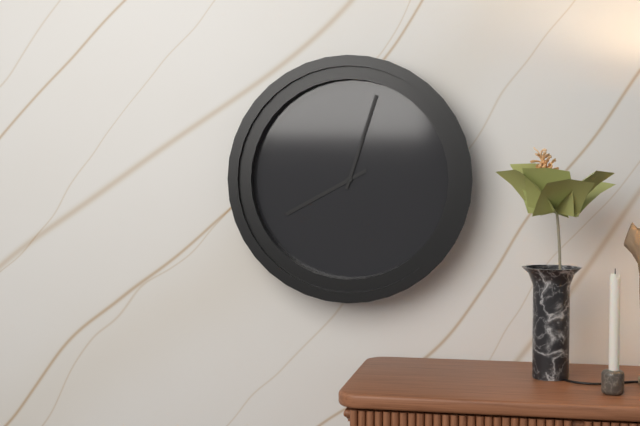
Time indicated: **8:03**
